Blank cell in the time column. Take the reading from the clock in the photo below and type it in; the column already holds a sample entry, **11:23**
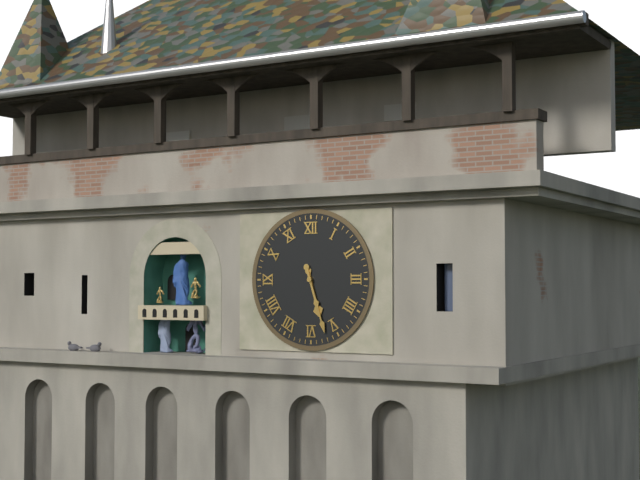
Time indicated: **5:27**
